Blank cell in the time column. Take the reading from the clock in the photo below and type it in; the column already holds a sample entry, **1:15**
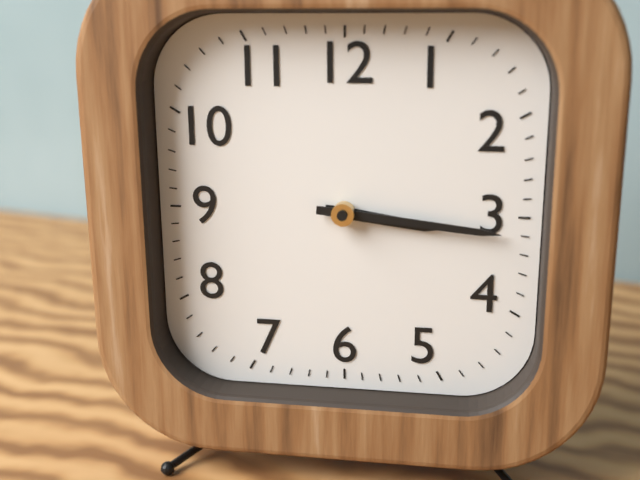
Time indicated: **3:16**
